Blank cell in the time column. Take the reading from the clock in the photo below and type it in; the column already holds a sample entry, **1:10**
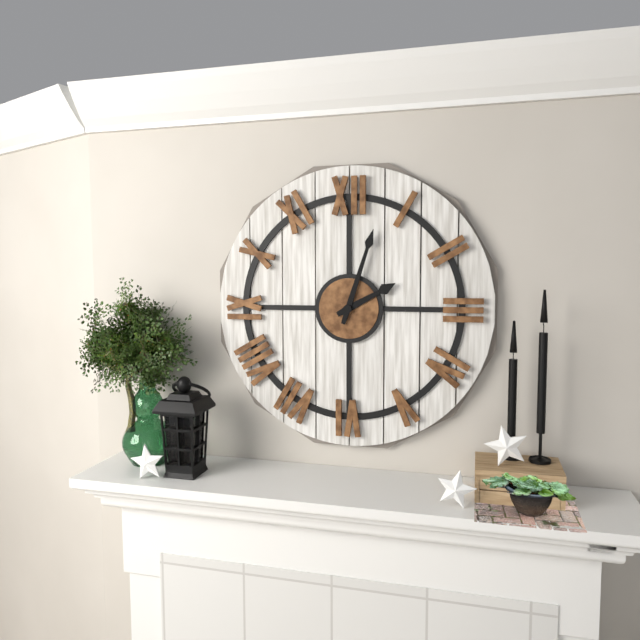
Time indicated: **2:03**
